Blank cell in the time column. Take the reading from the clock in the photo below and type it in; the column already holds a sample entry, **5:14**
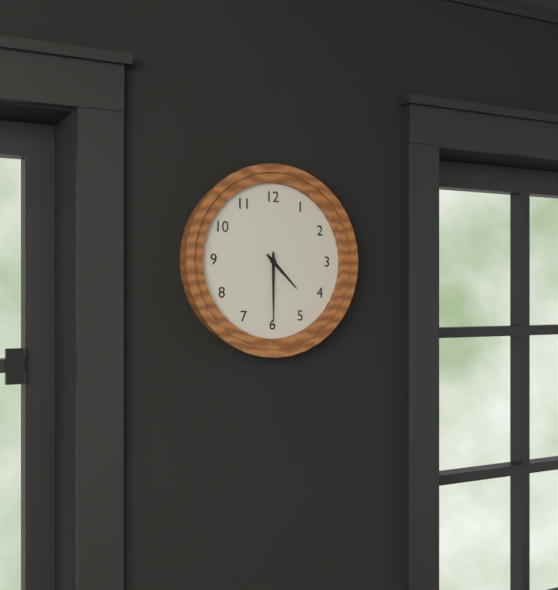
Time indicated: **4:30**
